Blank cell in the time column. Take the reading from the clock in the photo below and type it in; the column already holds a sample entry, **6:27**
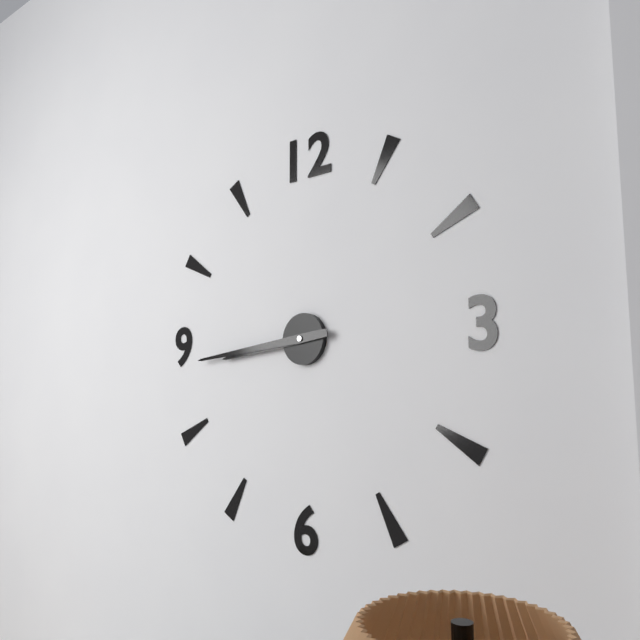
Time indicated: **8:44**
